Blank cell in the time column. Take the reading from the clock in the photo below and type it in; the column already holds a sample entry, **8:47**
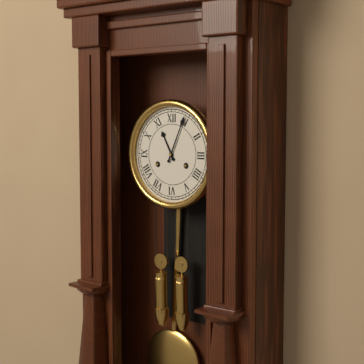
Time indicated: **11:04**
